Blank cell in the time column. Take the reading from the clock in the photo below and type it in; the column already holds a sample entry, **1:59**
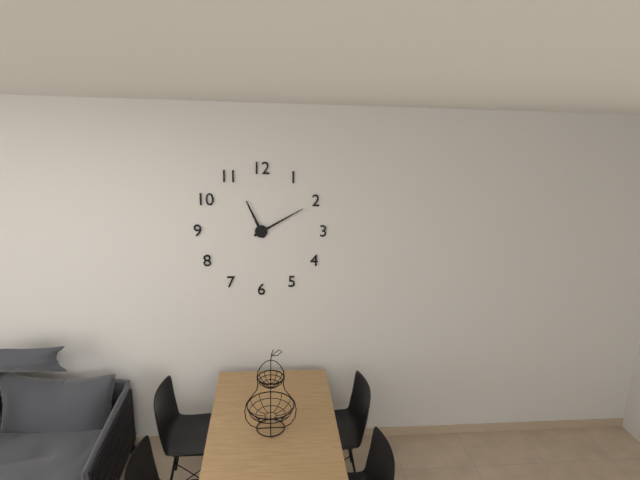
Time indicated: **11:10**
